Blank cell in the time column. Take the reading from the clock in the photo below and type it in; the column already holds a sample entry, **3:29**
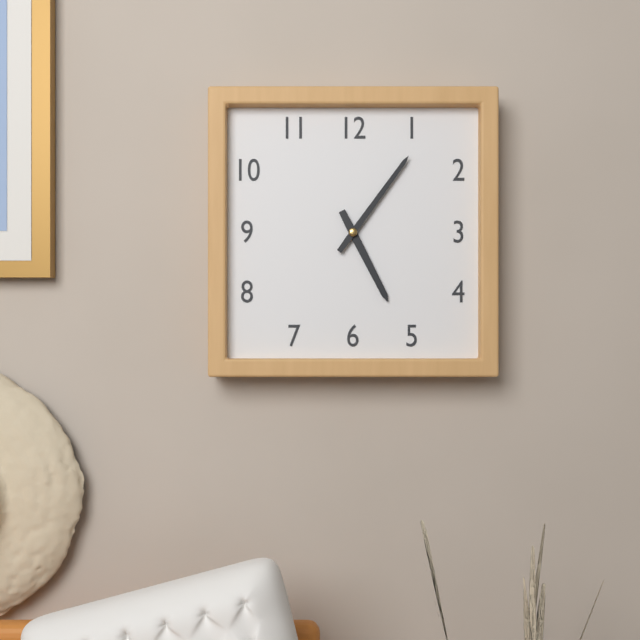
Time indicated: **5:06**
